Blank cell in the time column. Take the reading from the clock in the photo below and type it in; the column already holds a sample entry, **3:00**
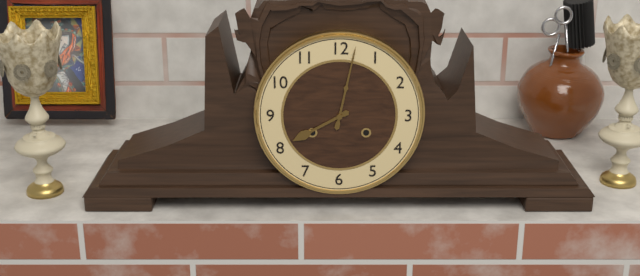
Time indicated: **8:02**
